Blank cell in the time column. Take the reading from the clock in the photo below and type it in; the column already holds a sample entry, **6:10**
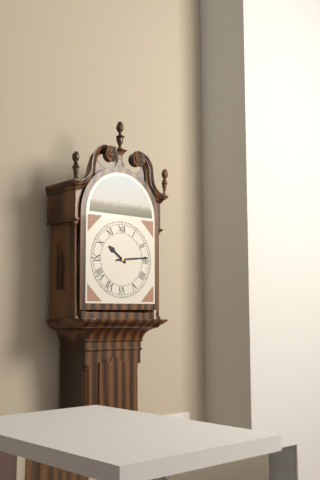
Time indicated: **10:14**
